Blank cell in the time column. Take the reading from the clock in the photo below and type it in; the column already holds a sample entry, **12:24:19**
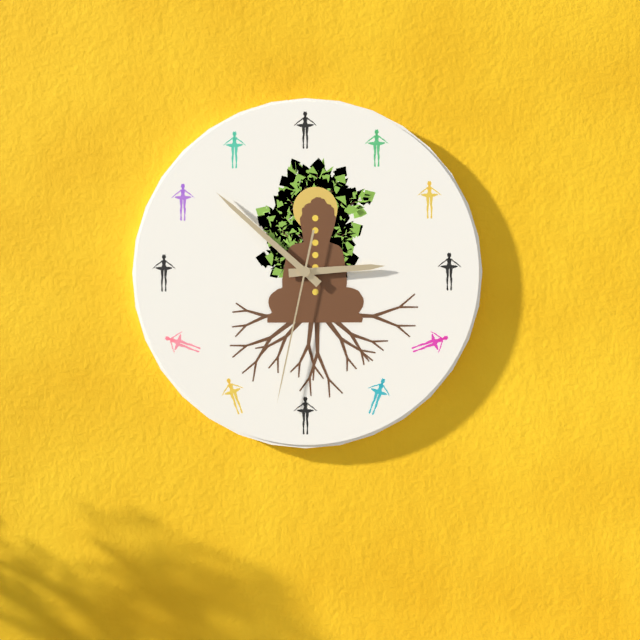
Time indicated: **2:52:32**
